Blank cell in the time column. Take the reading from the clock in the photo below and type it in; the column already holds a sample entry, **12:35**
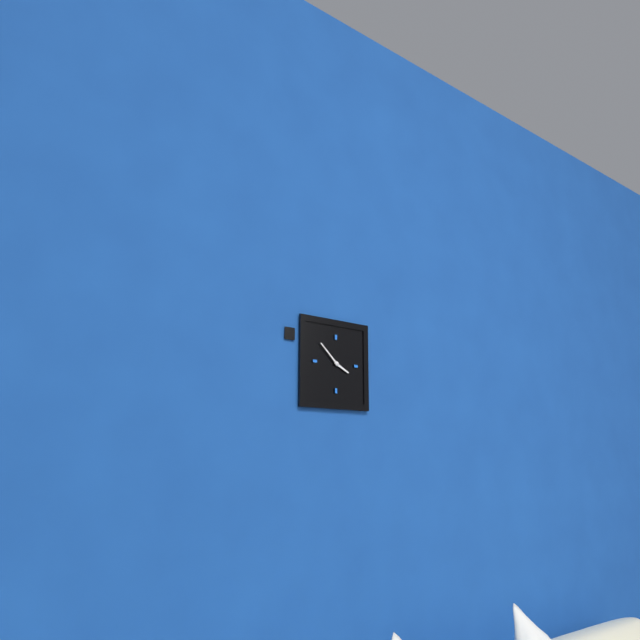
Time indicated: **3:52**
